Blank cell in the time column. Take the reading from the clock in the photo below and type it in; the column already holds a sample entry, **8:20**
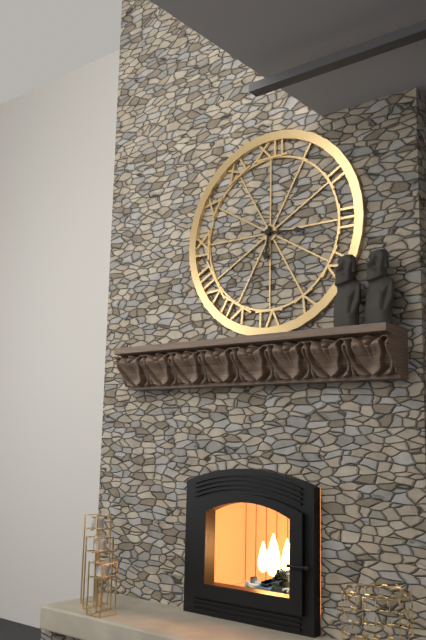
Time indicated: **6:16**
